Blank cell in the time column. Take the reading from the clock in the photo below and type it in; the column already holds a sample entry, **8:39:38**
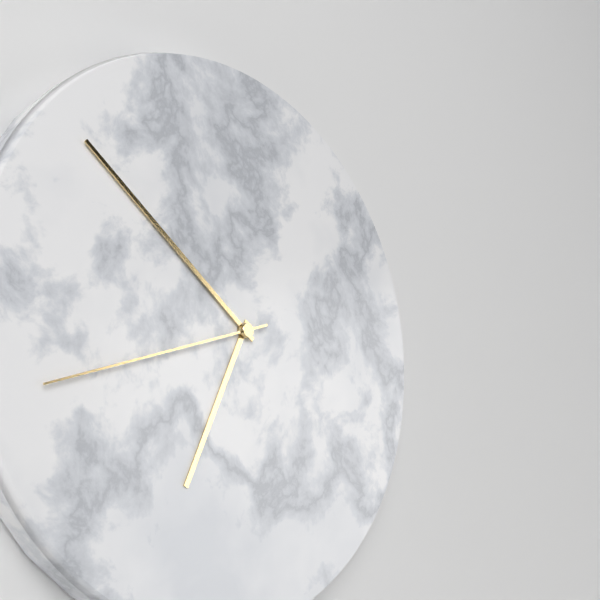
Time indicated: **6:51:42**
